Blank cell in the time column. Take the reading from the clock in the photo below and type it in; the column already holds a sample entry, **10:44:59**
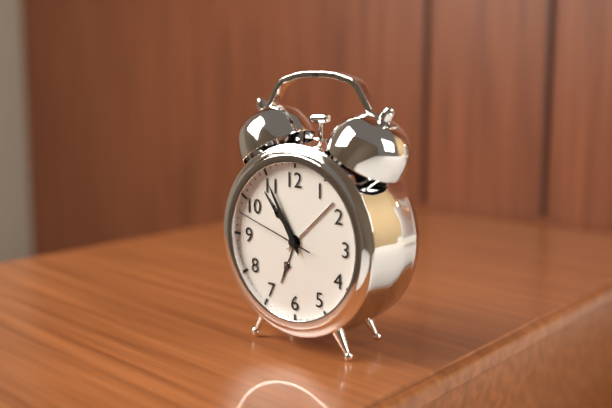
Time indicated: **10:55:48**
